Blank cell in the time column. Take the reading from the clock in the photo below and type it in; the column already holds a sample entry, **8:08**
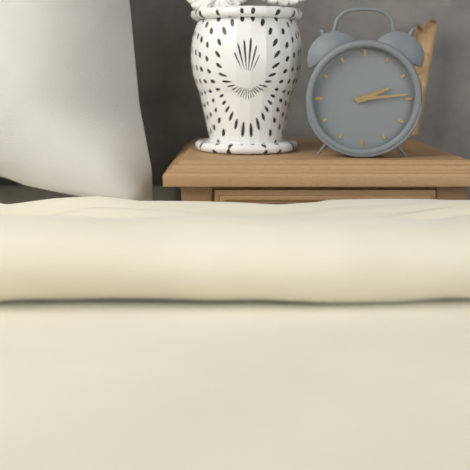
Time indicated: **2:14**
